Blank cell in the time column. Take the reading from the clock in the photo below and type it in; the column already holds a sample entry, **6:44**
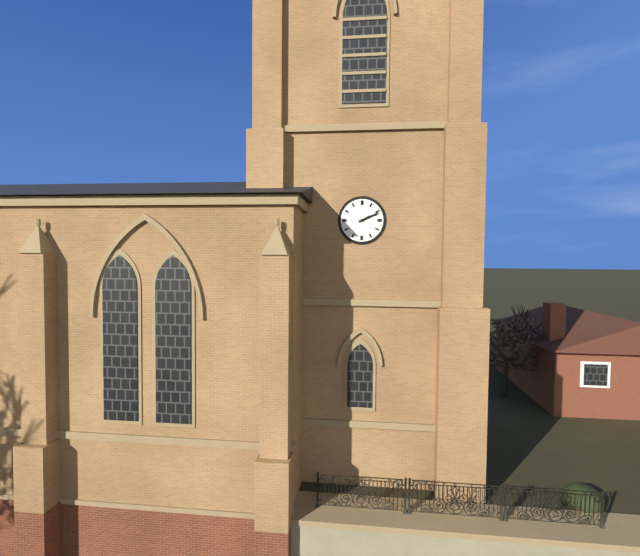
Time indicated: **2:11**
